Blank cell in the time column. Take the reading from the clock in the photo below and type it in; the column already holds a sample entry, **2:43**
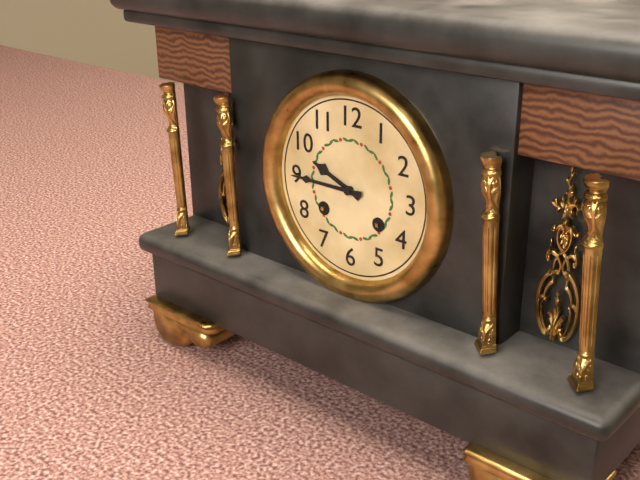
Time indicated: **9:45**
